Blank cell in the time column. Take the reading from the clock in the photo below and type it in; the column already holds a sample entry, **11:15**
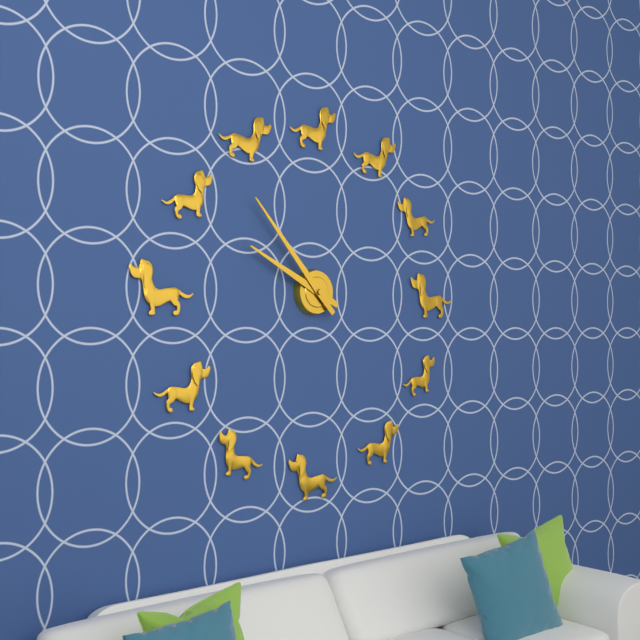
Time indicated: **9:53**
